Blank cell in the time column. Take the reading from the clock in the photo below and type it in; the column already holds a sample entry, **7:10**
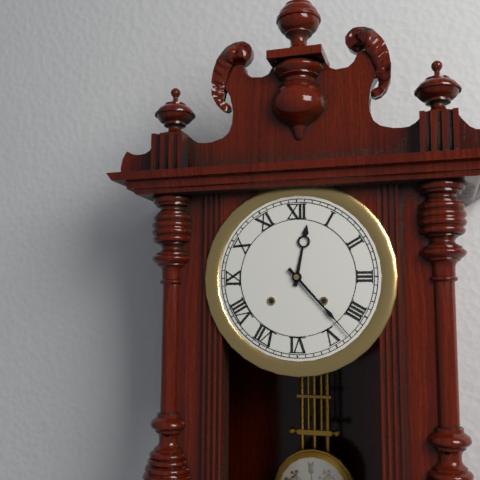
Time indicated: **12:23**
